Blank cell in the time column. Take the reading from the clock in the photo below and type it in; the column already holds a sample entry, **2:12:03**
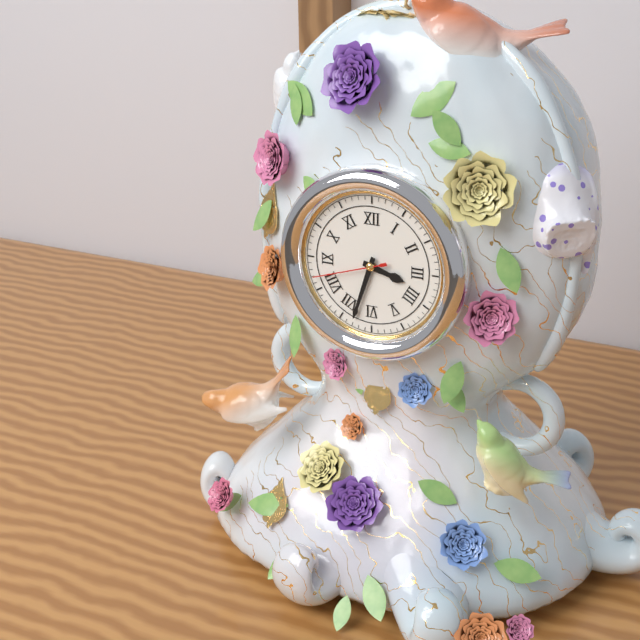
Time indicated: **3:33:42**
